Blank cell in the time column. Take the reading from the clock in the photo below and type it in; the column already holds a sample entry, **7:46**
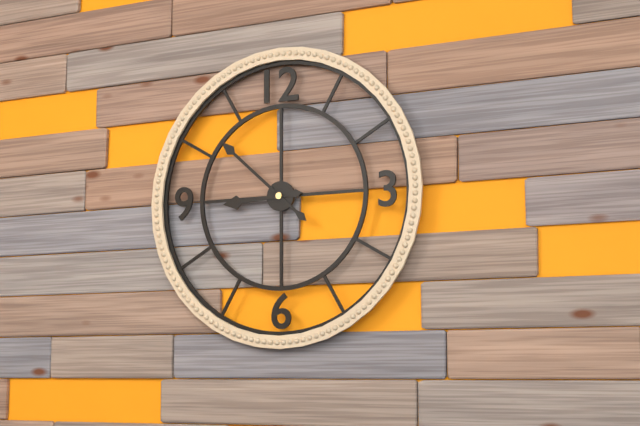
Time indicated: **8:52**
